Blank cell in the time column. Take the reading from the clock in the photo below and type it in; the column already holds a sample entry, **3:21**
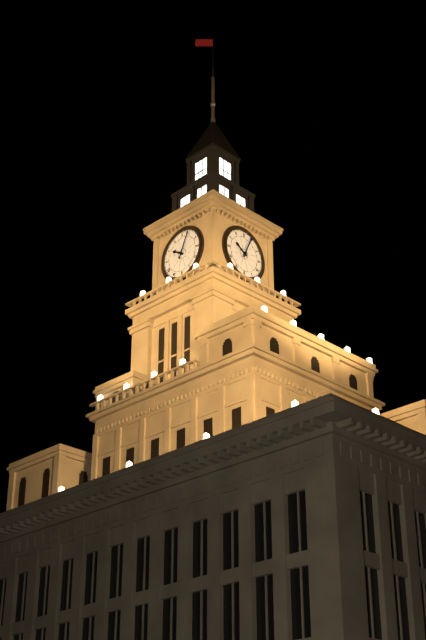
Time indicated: **10:04**
